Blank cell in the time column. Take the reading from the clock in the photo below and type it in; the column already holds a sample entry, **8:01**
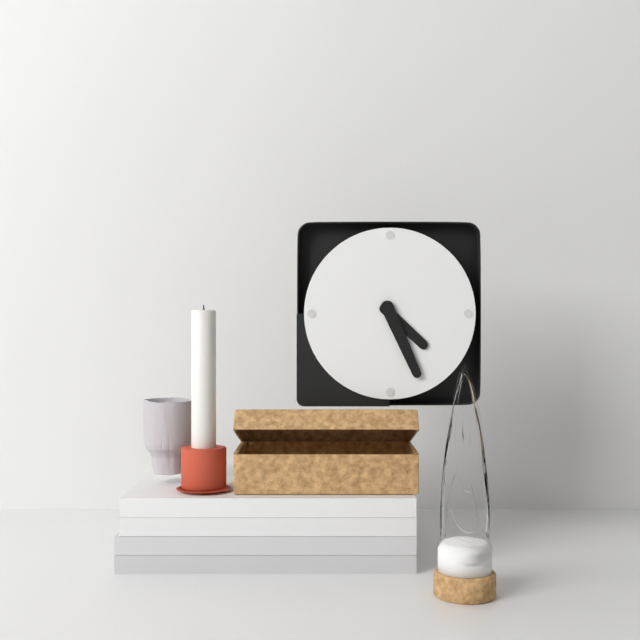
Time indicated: **4:26**
